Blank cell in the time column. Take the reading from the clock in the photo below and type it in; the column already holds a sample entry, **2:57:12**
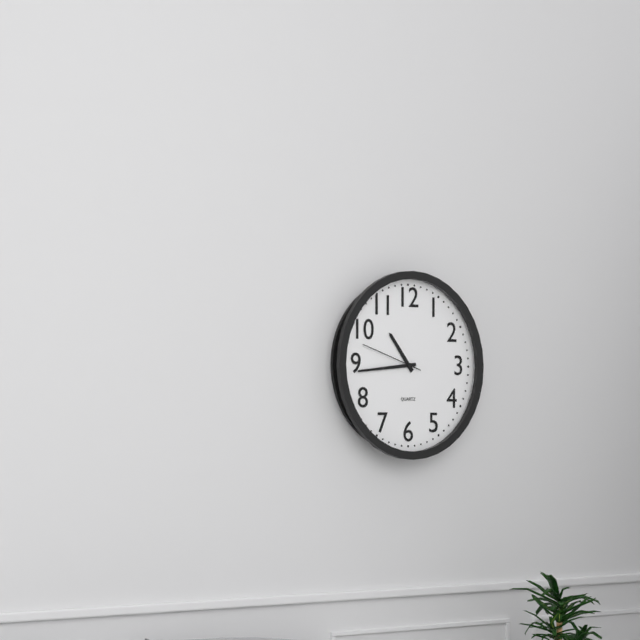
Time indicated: **10:44:48**
